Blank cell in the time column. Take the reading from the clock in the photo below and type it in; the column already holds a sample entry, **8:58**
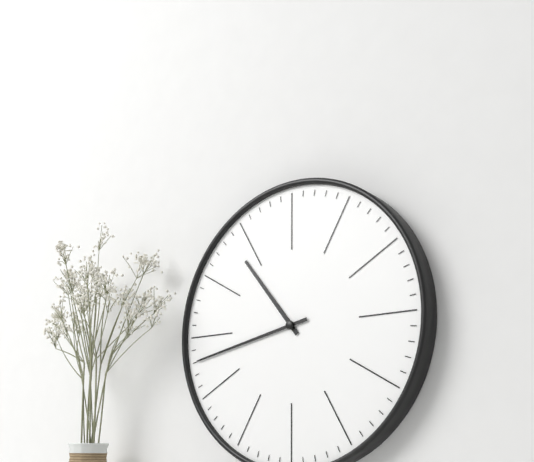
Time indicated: **10:43**
